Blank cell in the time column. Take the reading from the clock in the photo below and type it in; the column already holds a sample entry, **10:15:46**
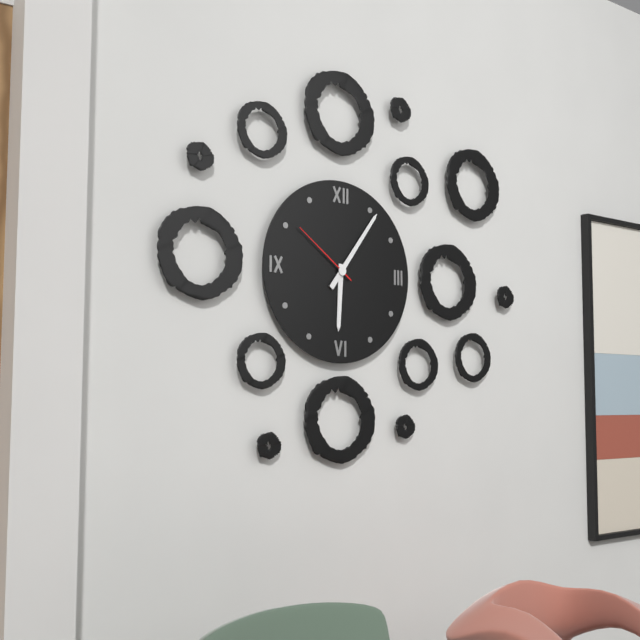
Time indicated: **6:06:51**
